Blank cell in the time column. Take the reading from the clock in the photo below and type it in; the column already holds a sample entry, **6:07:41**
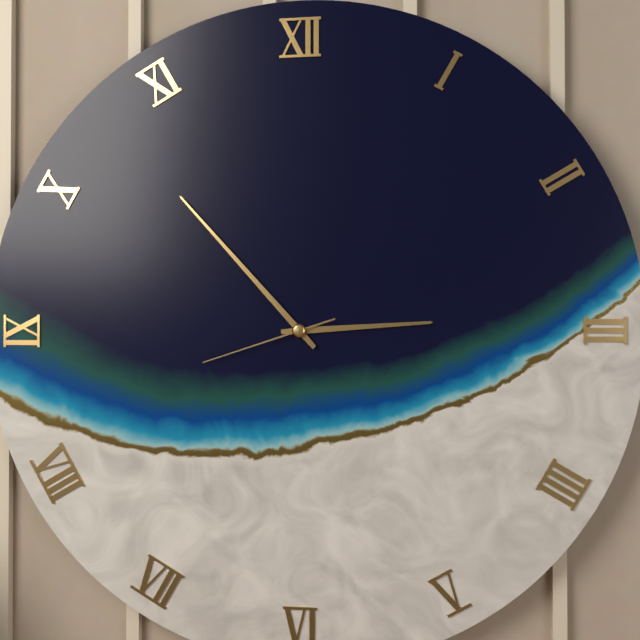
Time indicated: **2:53:42**
